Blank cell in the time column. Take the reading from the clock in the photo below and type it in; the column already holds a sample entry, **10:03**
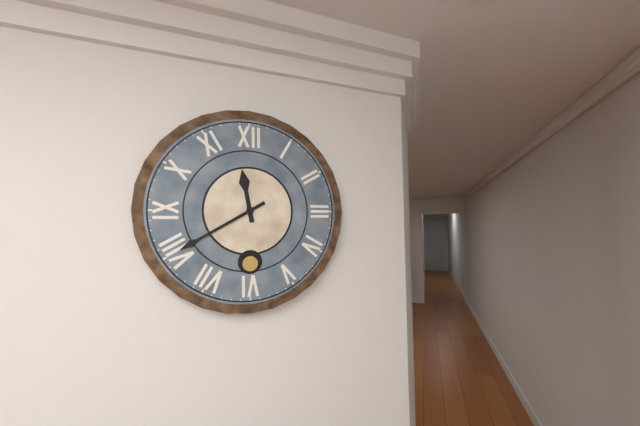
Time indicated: **11:40**
